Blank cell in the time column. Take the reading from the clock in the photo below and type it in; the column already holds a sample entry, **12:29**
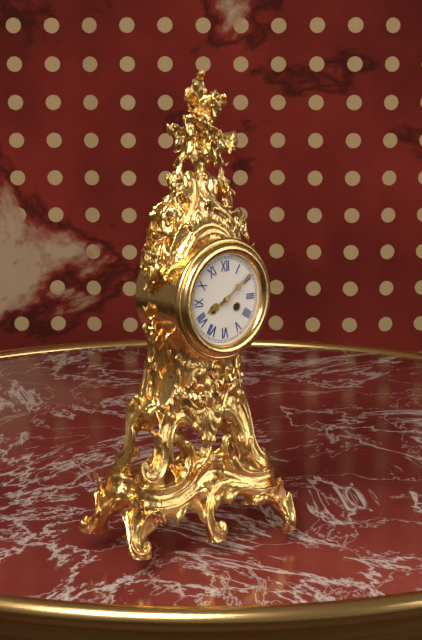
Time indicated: **8:09**
